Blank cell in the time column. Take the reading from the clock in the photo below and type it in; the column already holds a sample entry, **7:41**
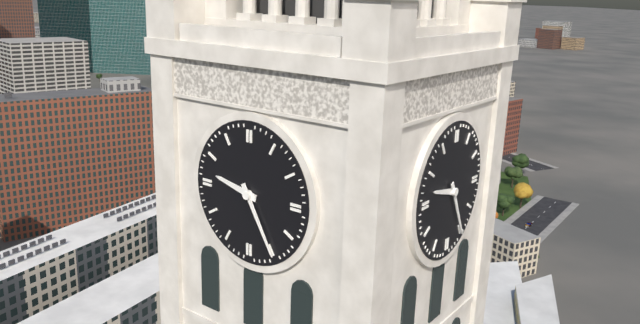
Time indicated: **9:25**
